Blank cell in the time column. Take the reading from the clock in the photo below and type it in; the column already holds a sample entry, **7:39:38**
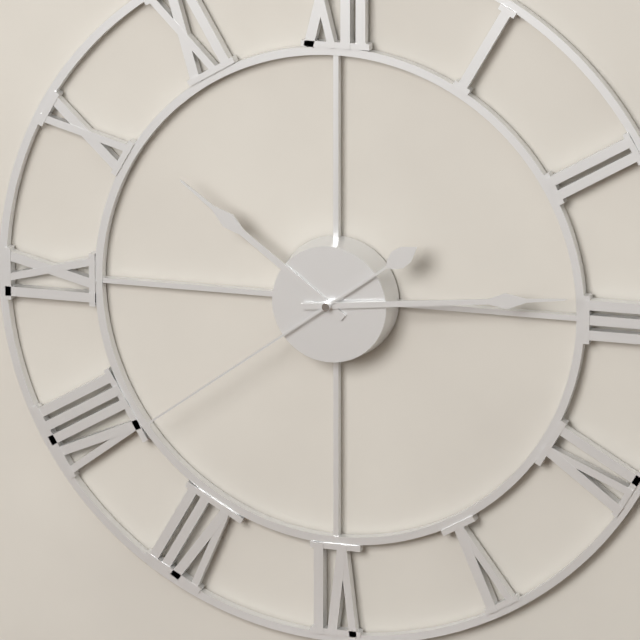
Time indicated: **10:14:39**
